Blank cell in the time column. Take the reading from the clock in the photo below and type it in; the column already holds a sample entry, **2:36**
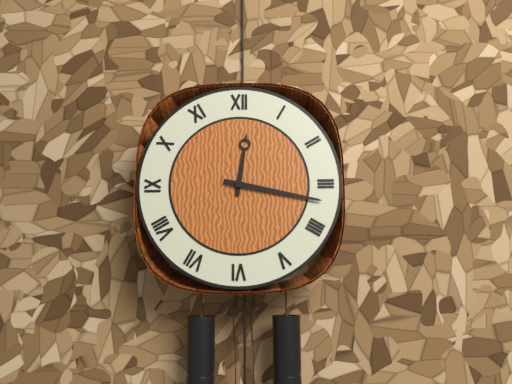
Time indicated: **12:17**
